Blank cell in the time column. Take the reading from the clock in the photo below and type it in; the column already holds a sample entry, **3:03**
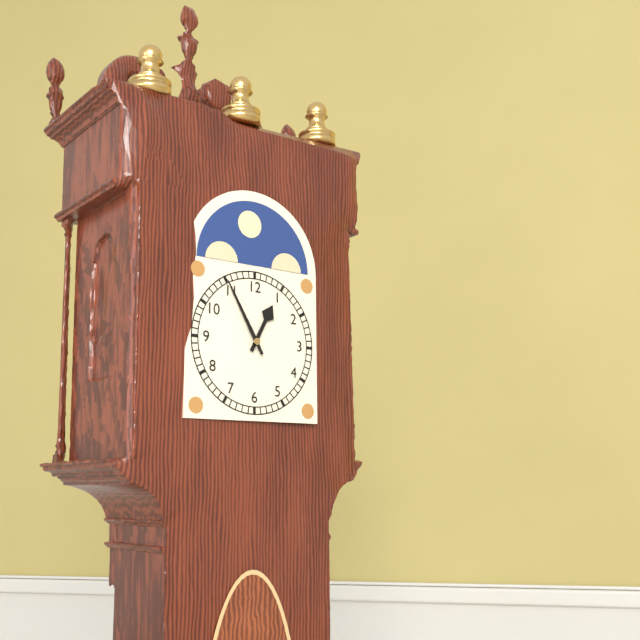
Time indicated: **12:55**
